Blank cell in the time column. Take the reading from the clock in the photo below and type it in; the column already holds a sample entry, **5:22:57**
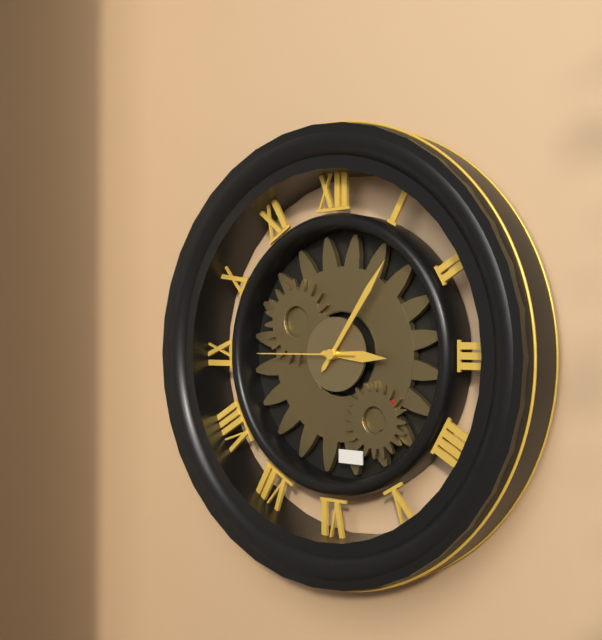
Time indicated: **3:06:45**
